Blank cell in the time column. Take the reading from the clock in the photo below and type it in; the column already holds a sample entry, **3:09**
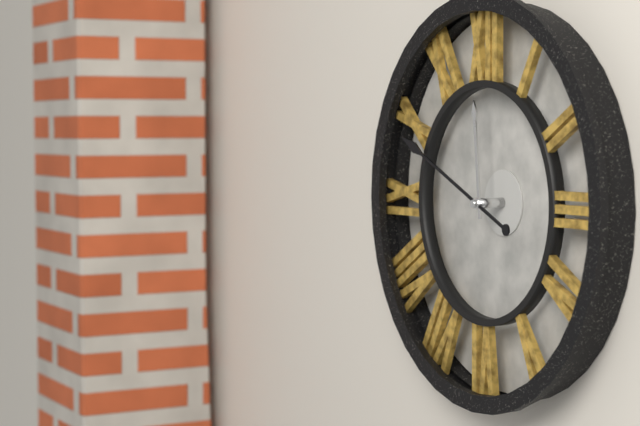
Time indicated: **11:49**
